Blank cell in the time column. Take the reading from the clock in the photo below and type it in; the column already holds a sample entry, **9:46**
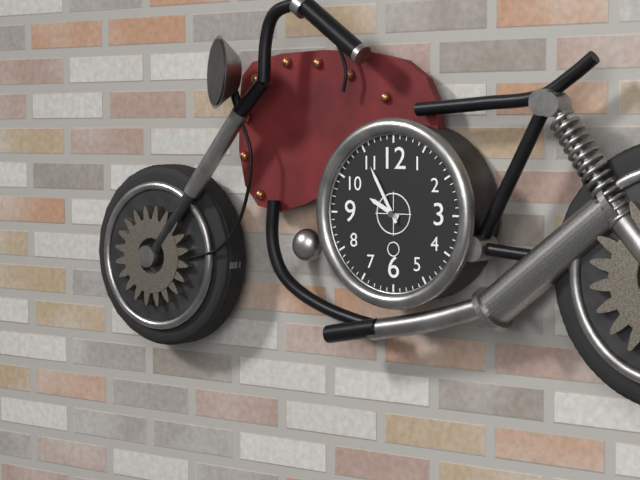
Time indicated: **9:55**
